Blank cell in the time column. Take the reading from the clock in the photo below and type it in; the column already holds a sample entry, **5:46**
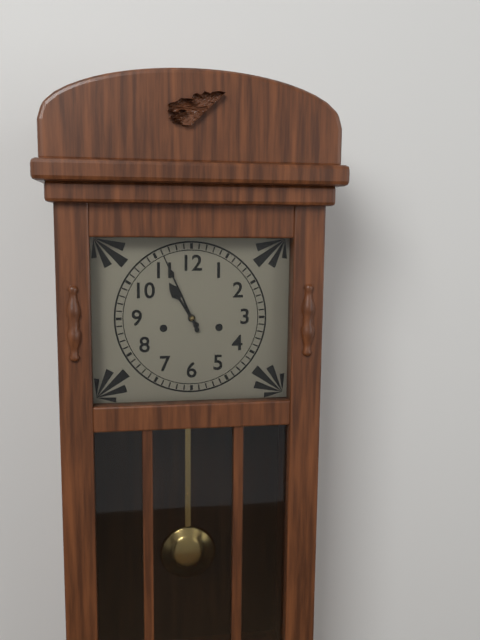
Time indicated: **10:56**
